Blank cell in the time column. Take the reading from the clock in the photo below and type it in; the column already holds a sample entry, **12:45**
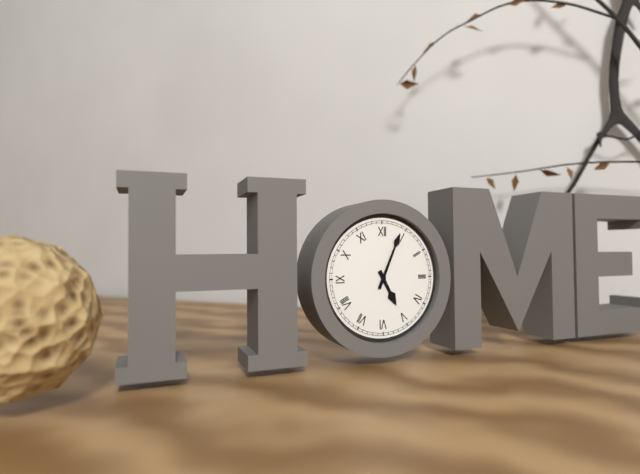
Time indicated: **5:04**
